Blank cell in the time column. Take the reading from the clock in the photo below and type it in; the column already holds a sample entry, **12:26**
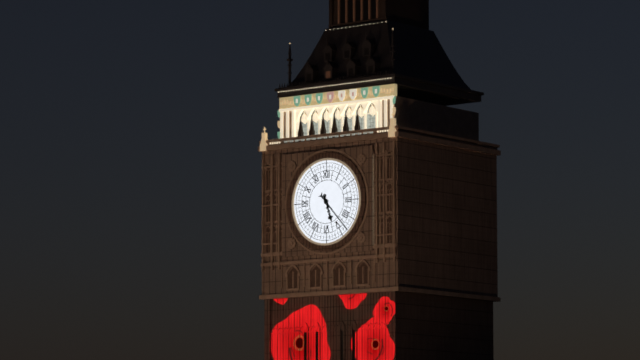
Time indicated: **5:23**
